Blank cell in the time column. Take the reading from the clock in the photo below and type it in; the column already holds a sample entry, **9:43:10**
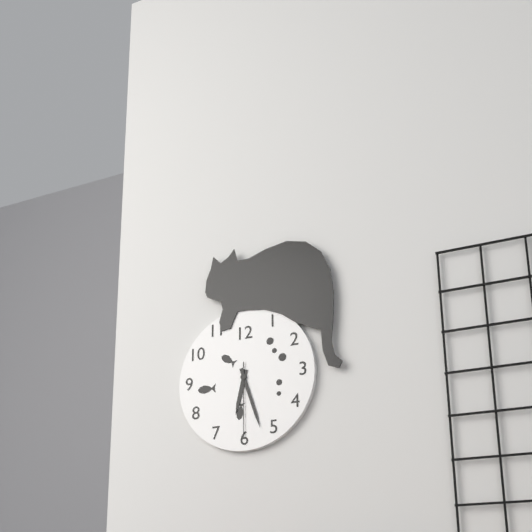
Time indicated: **6:27:30**
